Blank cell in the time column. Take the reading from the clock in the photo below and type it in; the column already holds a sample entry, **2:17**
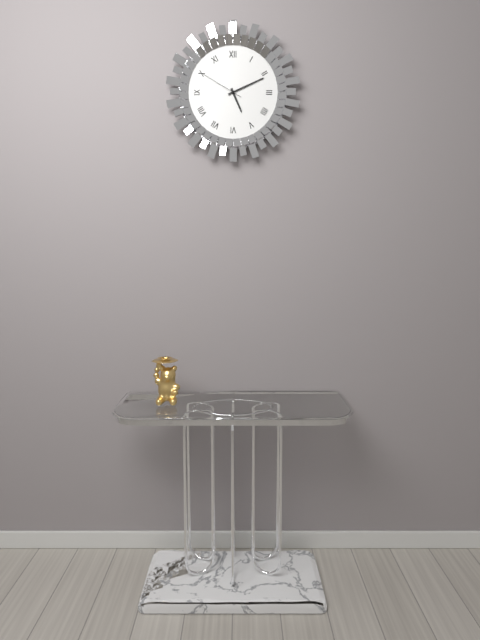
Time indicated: **5:11**
